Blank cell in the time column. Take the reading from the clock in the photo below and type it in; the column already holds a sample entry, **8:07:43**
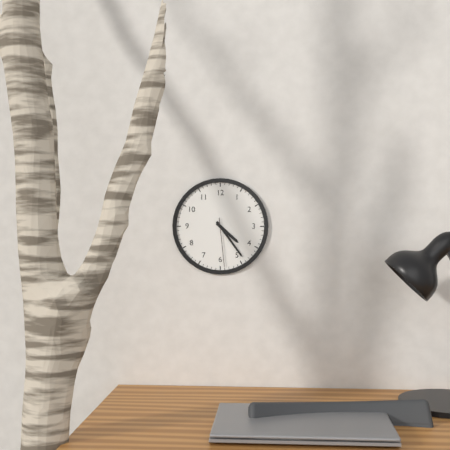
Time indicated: **4:24:29**
